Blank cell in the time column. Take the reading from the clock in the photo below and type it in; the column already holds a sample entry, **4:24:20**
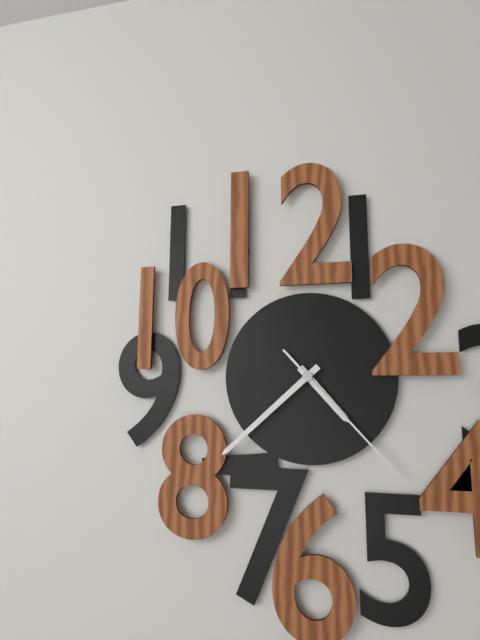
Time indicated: **4:38:23**
